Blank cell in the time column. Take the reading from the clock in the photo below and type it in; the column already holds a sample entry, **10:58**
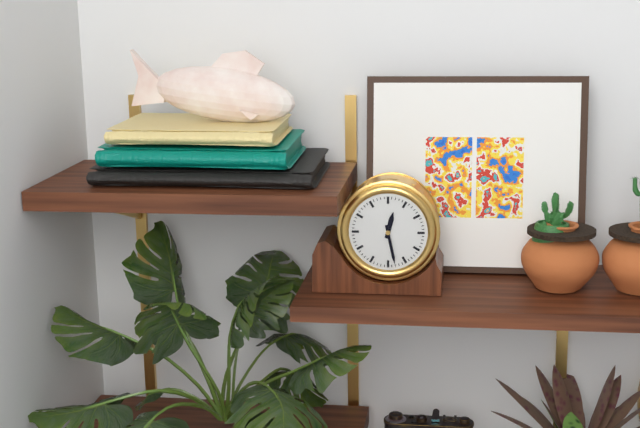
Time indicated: **12:28**
